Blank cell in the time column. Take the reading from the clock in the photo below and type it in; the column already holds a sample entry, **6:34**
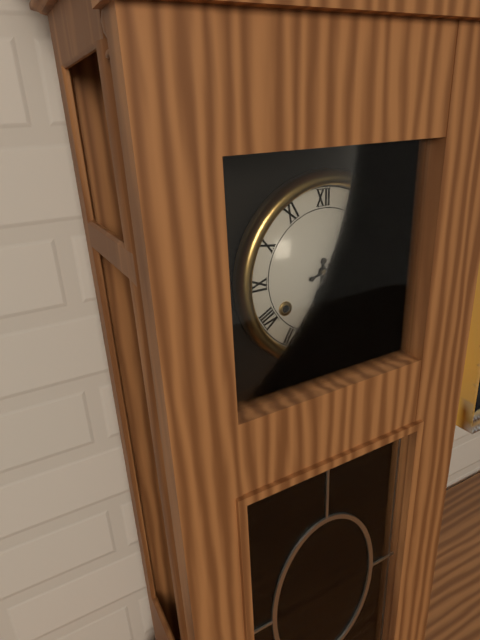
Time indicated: **6:12**
